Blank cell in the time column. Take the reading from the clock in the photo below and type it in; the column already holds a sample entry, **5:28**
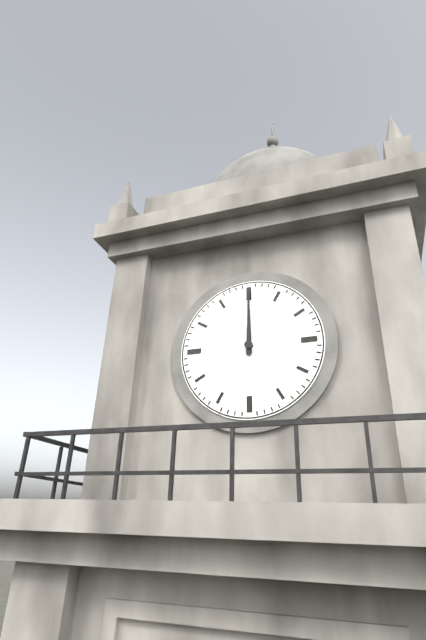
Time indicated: **12:00**
